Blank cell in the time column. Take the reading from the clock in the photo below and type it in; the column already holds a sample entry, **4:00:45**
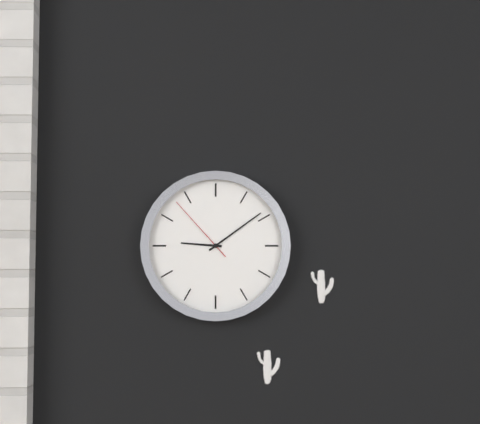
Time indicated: **9:09:53**
